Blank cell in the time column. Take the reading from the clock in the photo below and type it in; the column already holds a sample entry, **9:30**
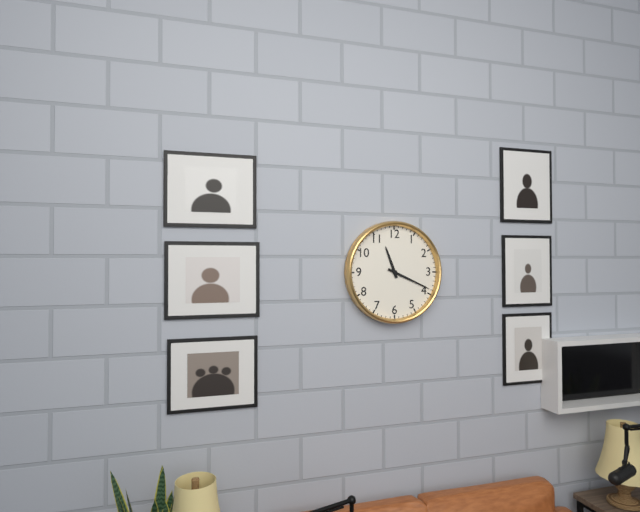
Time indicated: **11:19**
